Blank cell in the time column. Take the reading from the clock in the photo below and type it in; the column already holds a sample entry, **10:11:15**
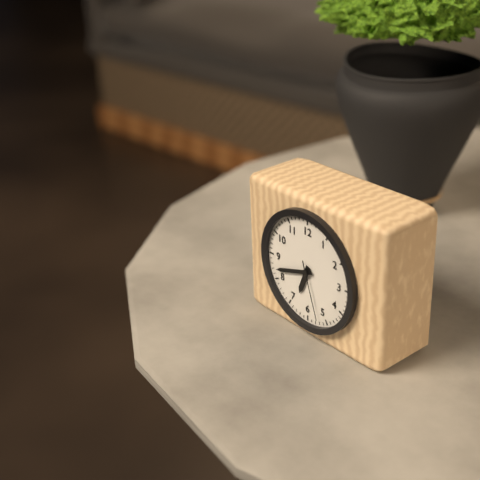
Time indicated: **6:42:27**
